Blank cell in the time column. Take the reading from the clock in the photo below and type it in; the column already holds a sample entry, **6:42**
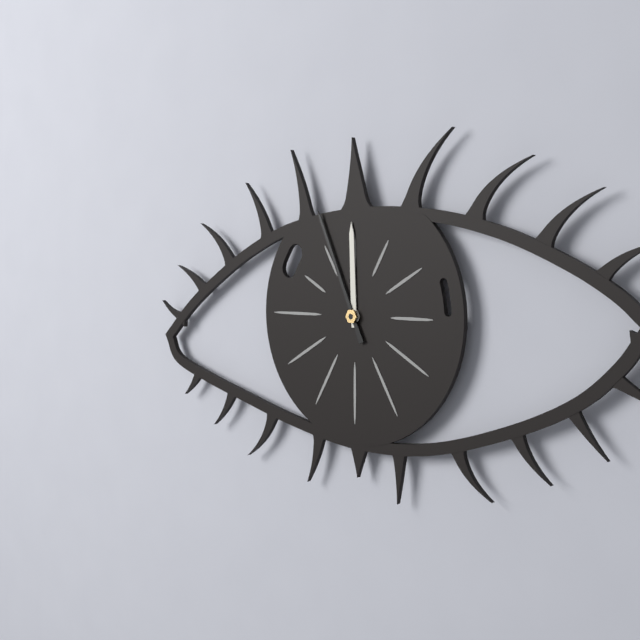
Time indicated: **11:56**
